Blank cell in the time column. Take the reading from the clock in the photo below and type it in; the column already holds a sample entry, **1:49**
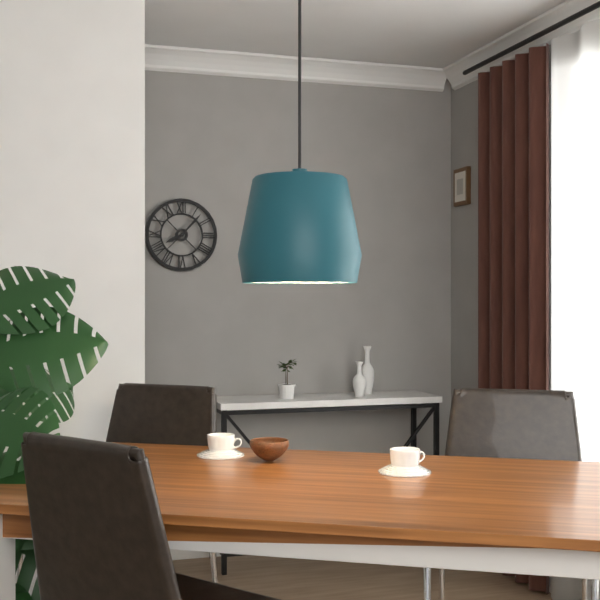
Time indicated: **8:07**
